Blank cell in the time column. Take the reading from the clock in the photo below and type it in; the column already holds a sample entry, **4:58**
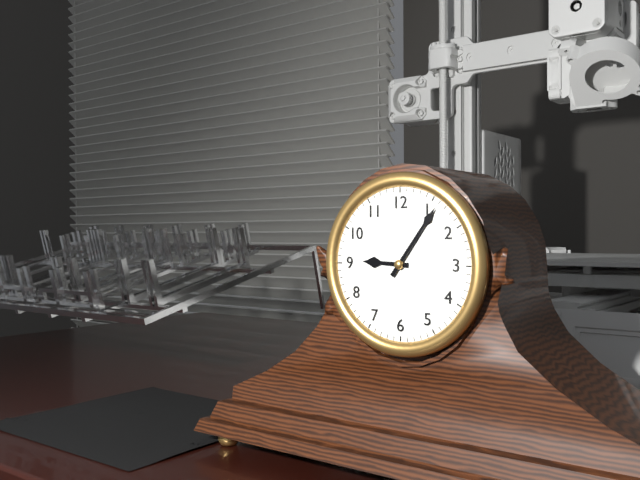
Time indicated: **9:06**
